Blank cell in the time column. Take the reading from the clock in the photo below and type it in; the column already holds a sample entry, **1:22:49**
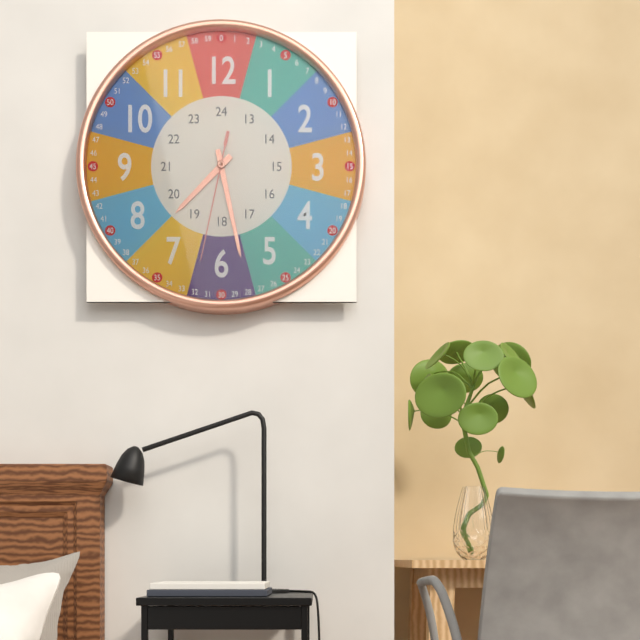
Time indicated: **7:28:32**
